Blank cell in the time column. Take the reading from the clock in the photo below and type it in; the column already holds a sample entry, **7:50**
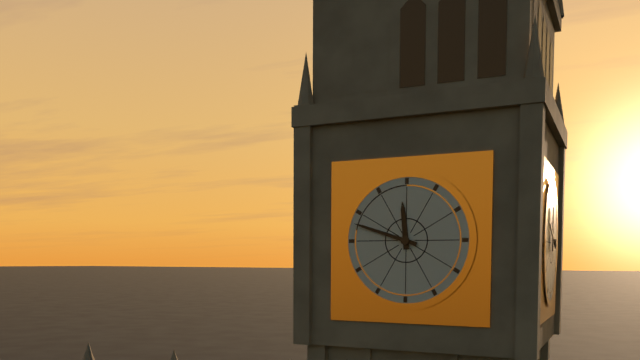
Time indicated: **11:48**
